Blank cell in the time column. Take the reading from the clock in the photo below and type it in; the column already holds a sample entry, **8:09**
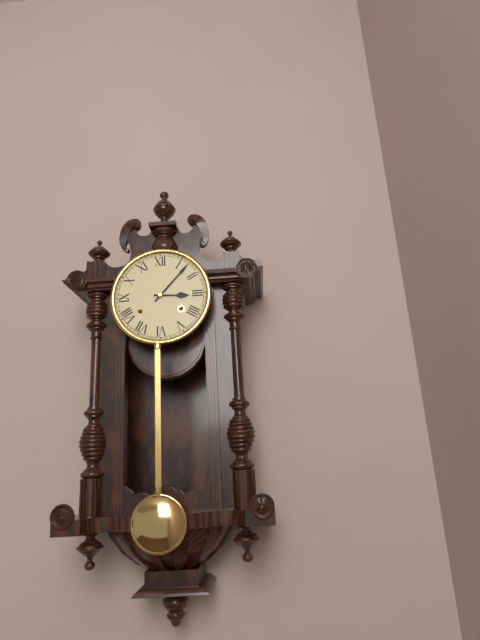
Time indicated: **3:07**
